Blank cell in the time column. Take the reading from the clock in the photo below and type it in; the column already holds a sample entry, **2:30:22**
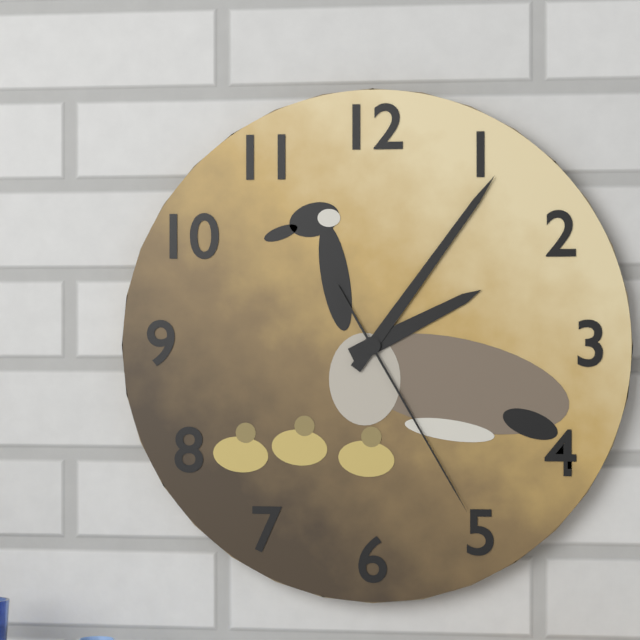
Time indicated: **2:06:25**
